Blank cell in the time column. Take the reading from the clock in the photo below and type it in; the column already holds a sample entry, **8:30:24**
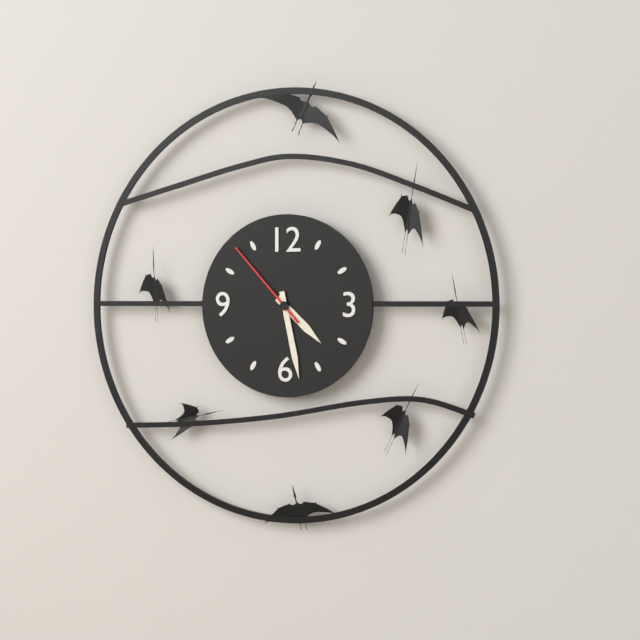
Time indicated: **4:28:53**
